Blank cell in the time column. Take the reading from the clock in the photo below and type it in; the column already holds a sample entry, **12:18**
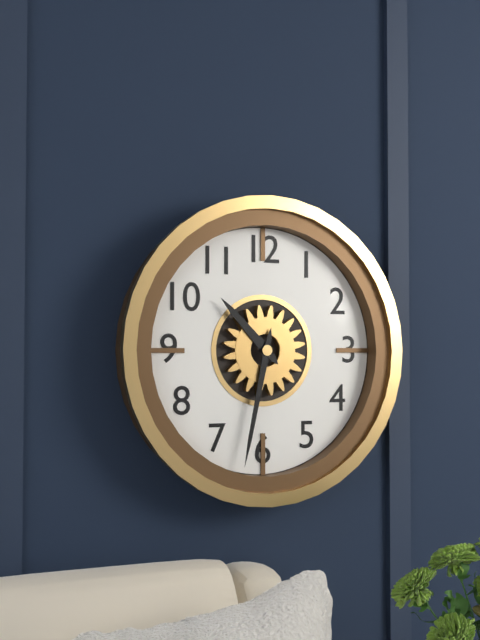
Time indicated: **10:32**
